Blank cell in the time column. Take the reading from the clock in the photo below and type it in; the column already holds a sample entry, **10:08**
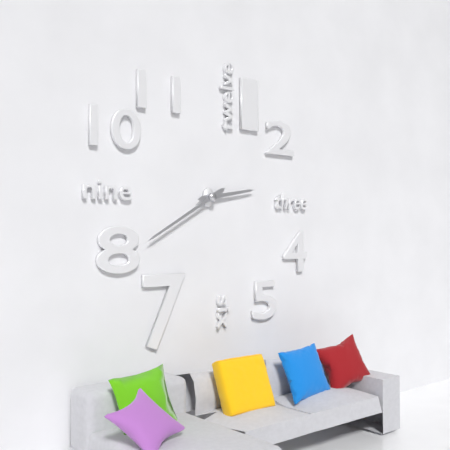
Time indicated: **2:40**
